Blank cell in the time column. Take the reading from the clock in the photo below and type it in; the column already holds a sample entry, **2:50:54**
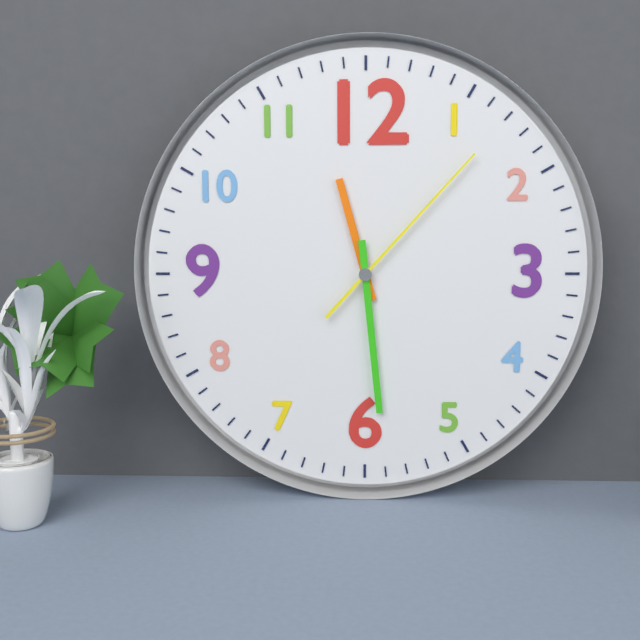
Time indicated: **11:29:07**
